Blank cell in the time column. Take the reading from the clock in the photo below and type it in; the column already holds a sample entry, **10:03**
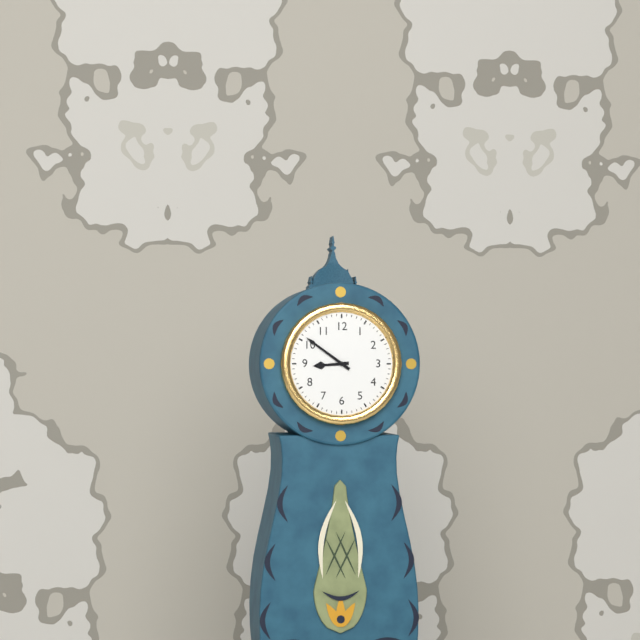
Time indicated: **8:51**
